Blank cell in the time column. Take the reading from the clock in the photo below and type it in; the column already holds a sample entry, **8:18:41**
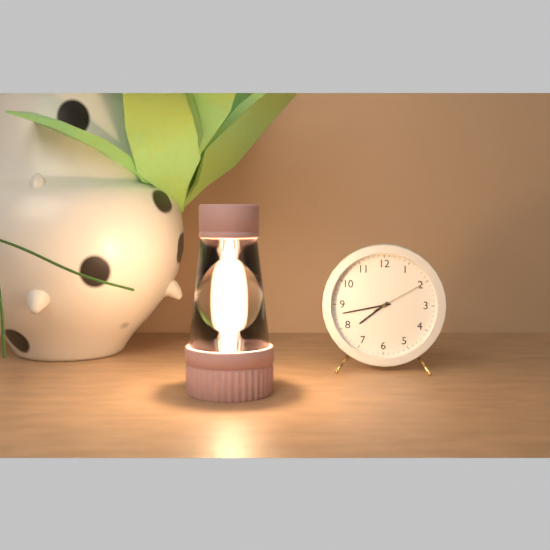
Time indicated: **7:43:10**
